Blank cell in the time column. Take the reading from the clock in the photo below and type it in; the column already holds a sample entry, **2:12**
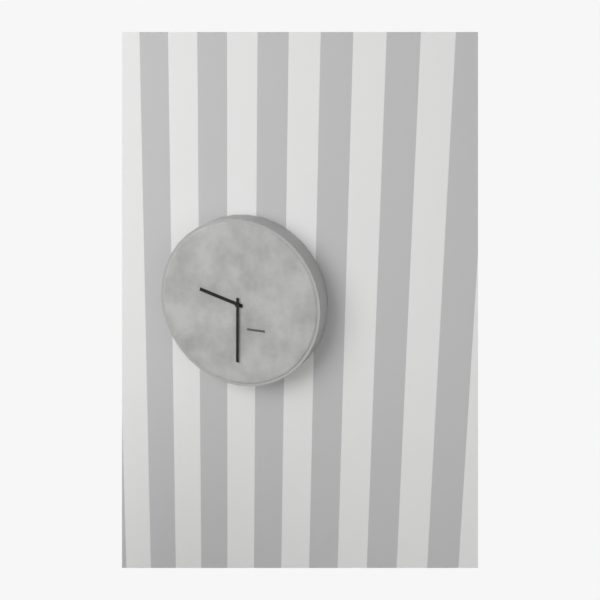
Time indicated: **9:30**
